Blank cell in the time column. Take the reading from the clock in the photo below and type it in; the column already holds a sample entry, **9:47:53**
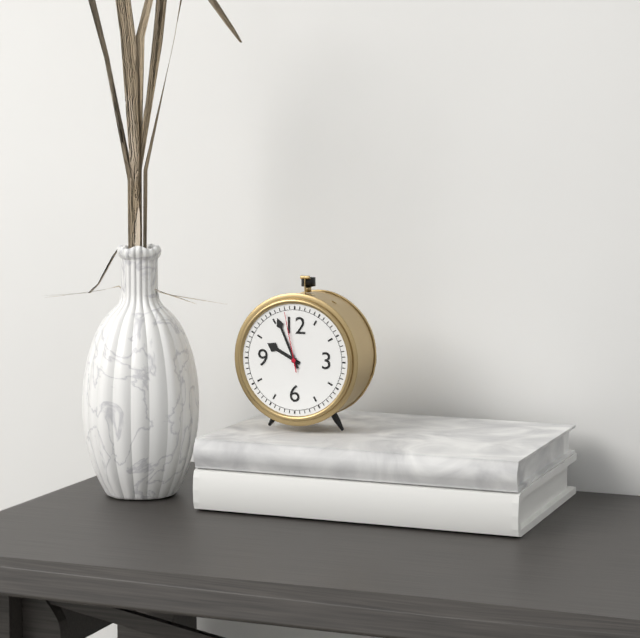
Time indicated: **9:56:58**
